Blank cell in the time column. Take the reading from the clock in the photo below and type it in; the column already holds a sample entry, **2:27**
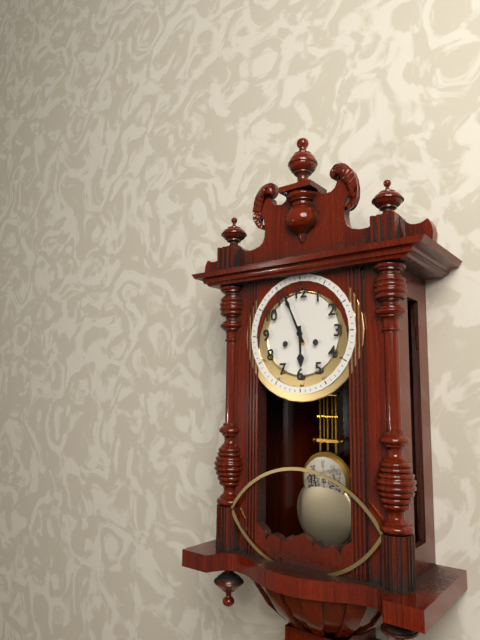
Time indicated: **5:56**
